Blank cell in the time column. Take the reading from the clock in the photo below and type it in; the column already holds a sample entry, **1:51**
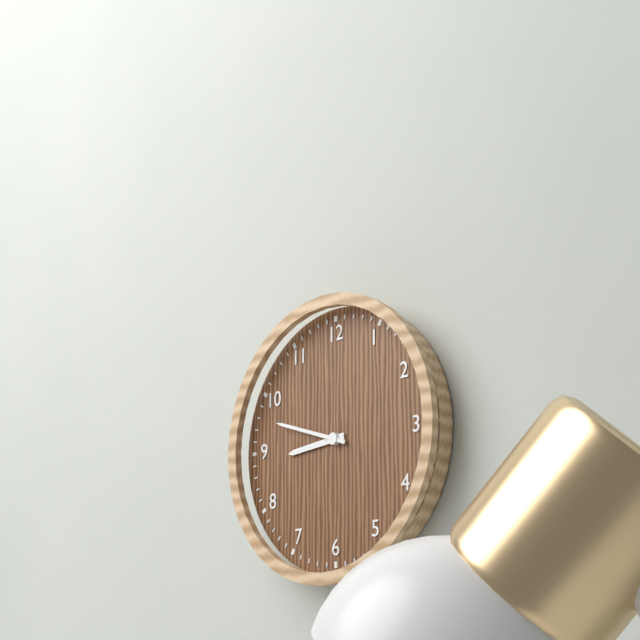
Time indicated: **8:48**
